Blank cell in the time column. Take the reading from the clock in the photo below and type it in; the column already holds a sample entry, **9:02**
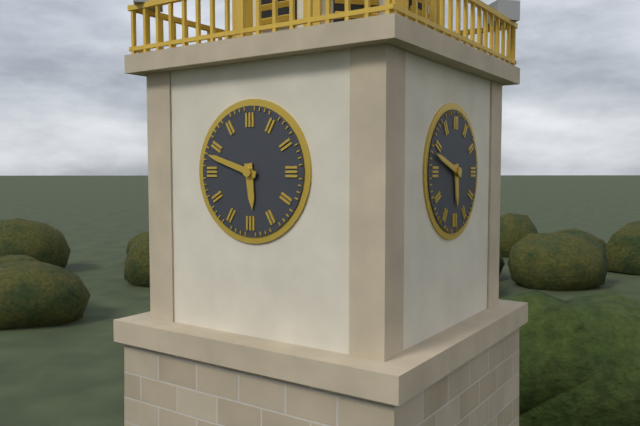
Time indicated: **5:48**
